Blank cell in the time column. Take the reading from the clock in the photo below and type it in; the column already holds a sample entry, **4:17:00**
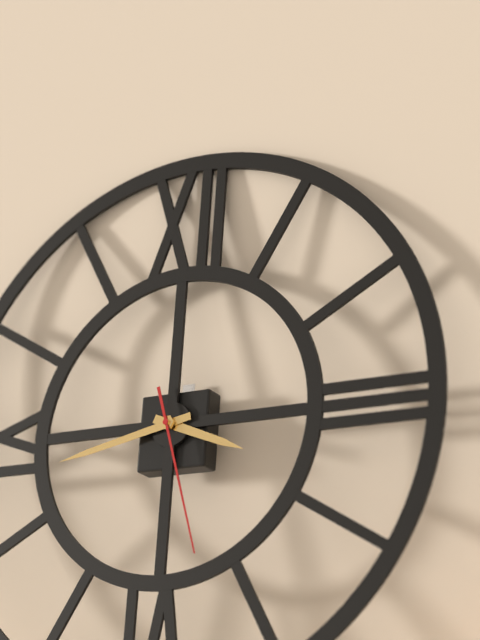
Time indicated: **3:43:27**
